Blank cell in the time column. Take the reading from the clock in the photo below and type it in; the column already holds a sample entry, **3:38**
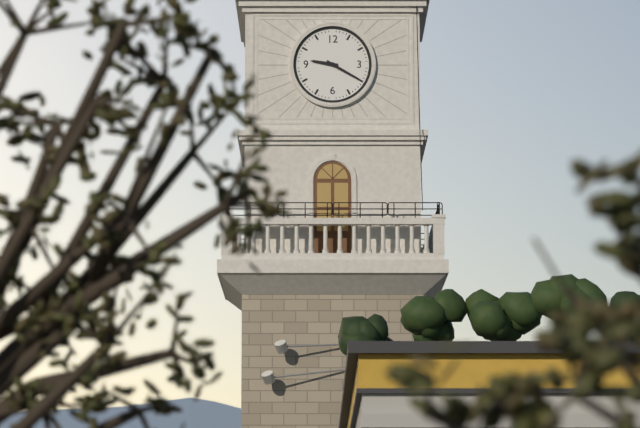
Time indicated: **9:20**
